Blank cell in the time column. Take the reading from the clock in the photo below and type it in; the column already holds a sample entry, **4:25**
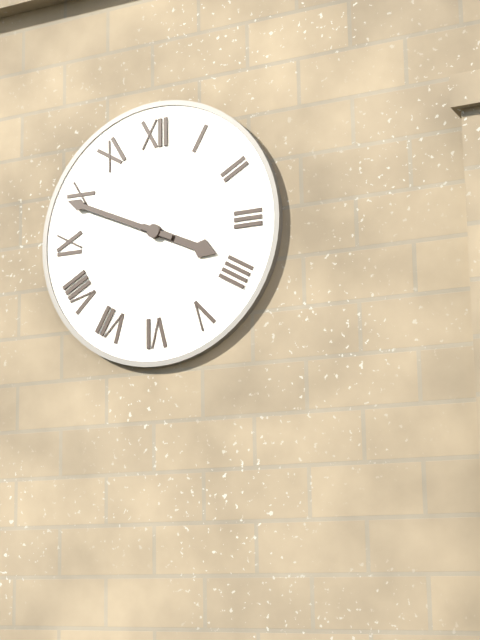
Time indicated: **3:49**
